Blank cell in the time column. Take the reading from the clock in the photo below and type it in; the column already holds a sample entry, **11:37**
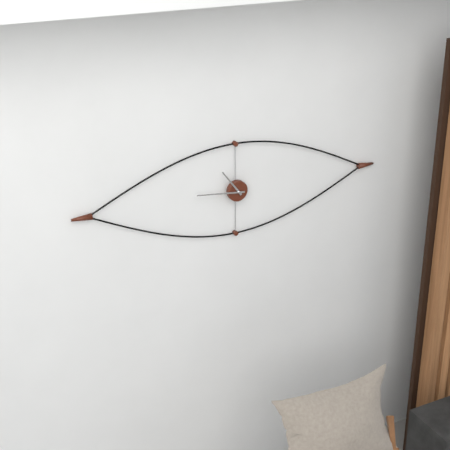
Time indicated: **10:46**
